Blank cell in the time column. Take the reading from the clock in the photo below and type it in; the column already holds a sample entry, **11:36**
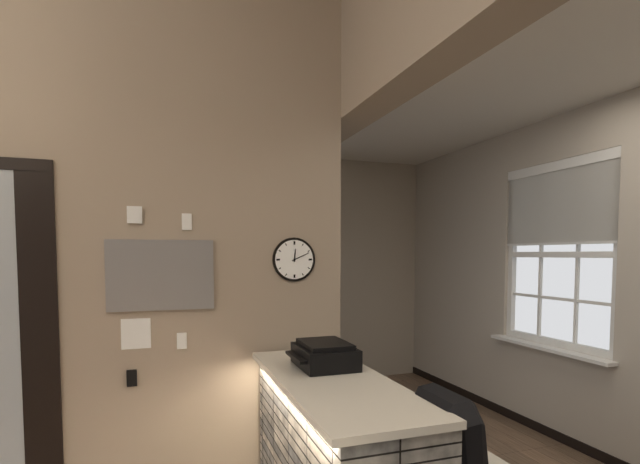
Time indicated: **12:11**
